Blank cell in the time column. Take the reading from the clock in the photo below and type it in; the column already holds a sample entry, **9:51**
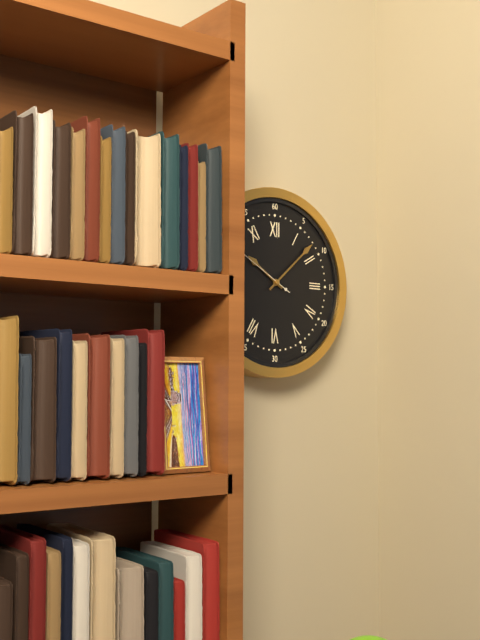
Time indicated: **10:08**
